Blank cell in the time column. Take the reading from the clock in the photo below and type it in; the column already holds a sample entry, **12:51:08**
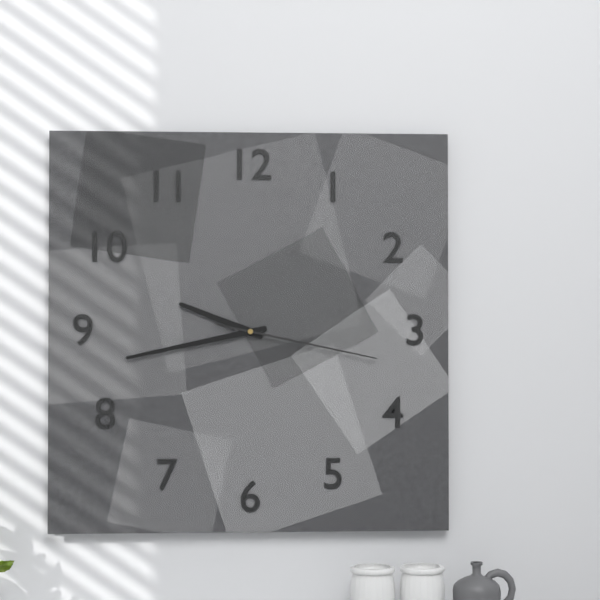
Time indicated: **9:43:17**
